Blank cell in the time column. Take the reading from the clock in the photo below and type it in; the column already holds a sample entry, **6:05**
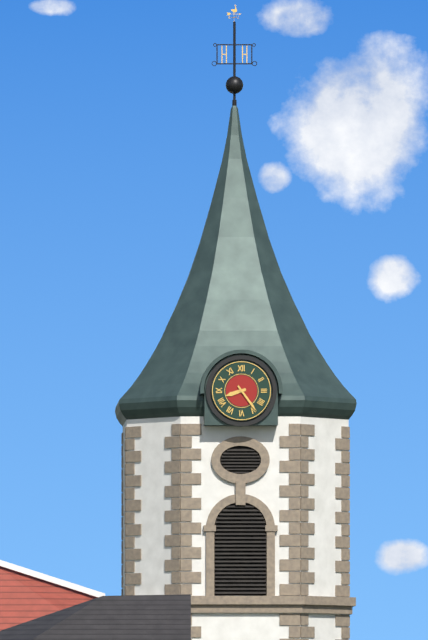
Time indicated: **8:24**
